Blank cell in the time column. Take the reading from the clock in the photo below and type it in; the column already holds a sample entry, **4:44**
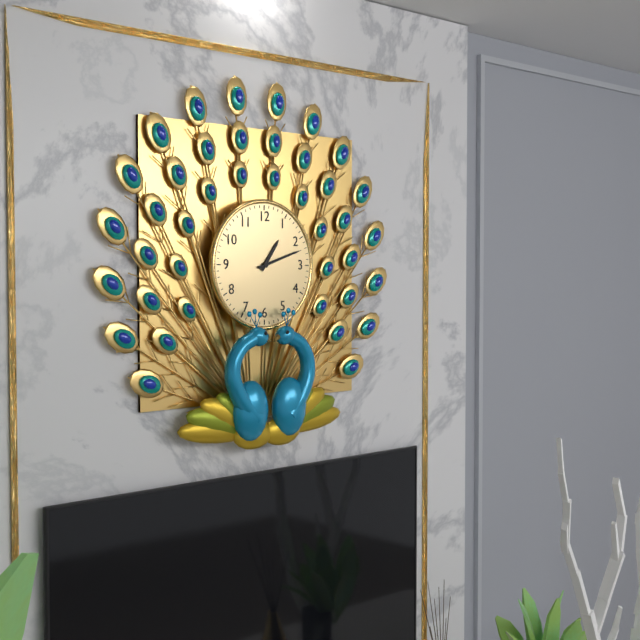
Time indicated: **1:12**
